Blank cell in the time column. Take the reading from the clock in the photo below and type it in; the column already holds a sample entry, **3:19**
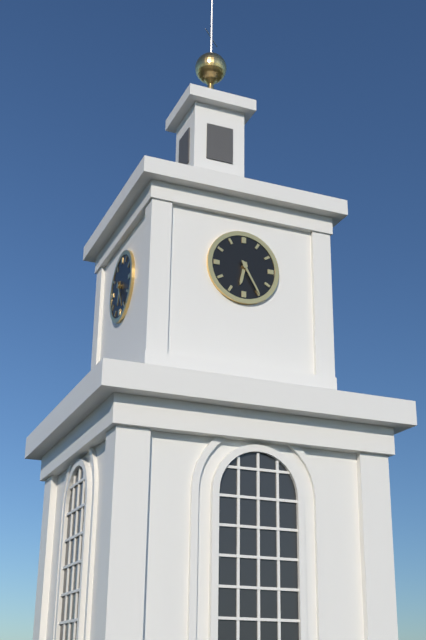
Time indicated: **6:25**
